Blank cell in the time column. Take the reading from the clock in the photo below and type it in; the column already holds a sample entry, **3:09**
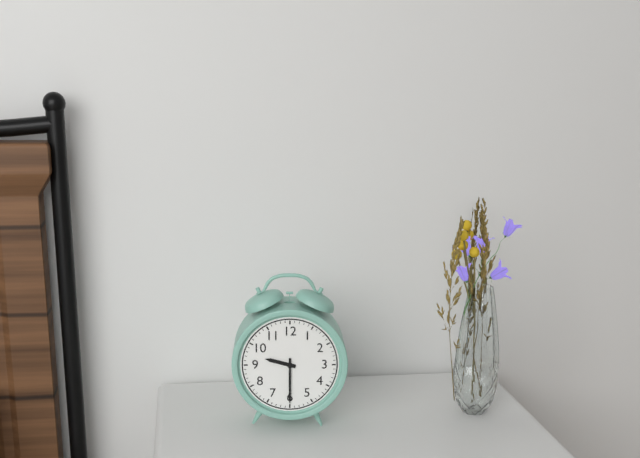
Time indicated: **9:30**
